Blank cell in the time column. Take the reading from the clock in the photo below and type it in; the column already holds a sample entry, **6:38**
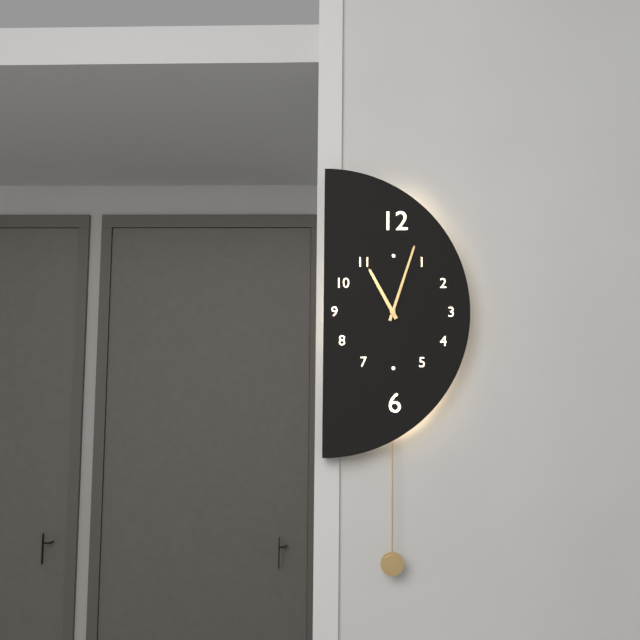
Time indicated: **11:03**
